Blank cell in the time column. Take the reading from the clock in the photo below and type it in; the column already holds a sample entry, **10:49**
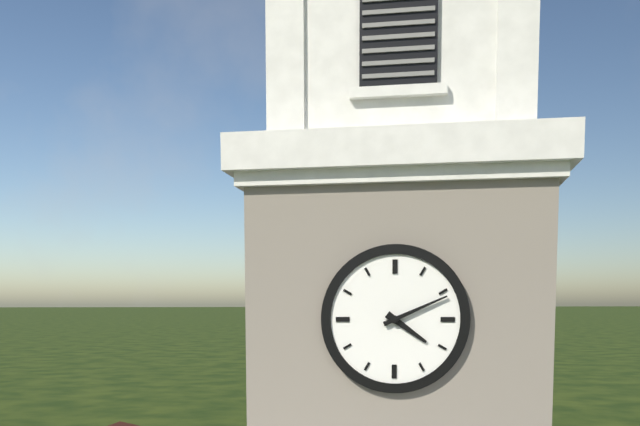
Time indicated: **4:11**
